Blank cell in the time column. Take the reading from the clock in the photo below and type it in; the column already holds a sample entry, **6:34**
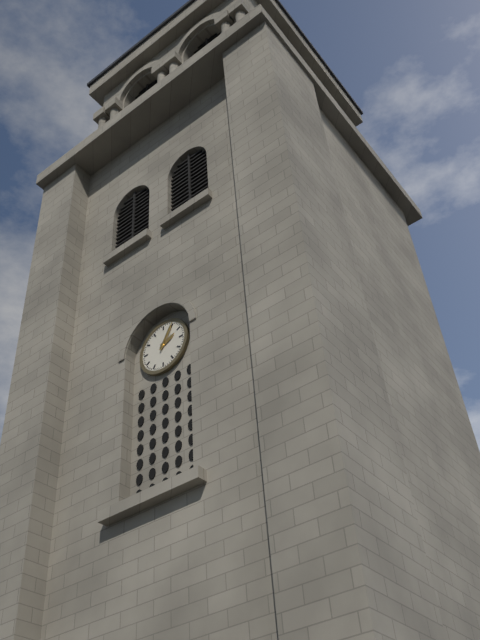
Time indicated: **2:05**
